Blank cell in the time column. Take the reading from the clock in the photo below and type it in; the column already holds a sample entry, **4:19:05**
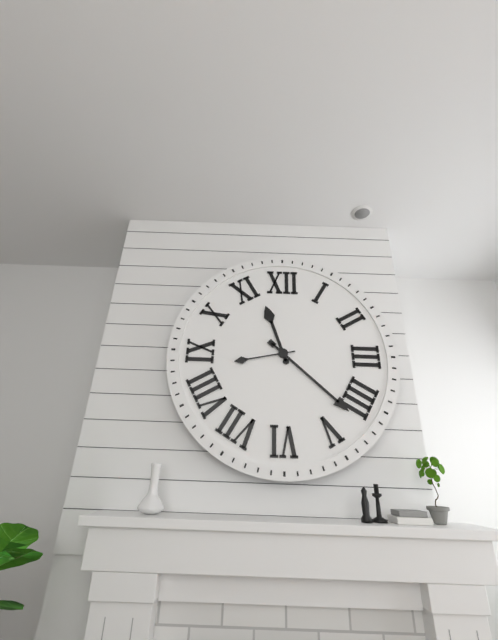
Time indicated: **11:22:43**
